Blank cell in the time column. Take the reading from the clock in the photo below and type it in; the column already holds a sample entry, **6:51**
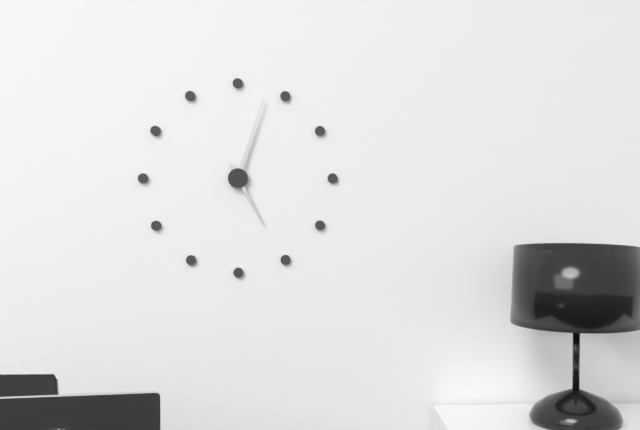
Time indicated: **5:03**
